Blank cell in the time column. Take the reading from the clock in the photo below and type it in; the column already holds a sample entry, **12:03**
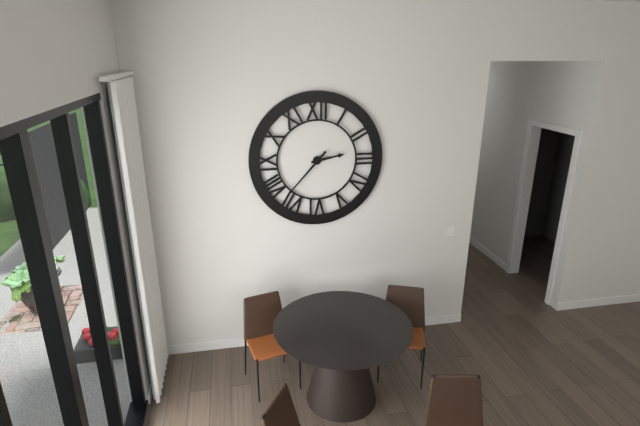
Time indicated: **2:37**
